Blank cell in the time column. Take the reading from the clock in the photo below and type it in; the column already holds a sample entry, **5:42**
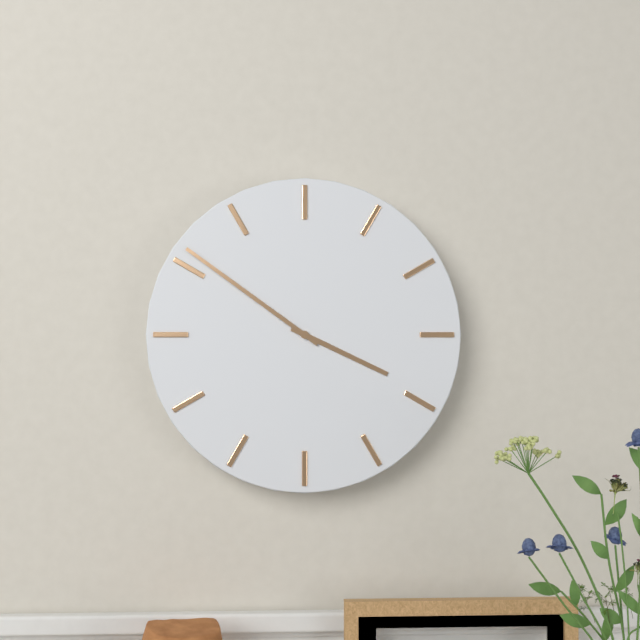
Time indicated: **3:51**
